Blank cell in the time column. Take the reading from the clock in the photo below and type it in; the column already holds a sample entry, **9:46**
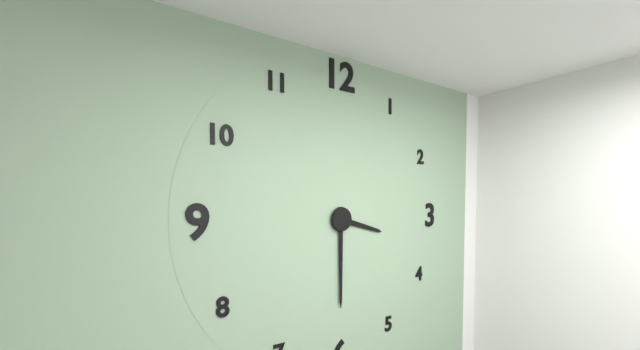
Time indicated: **3:30**
